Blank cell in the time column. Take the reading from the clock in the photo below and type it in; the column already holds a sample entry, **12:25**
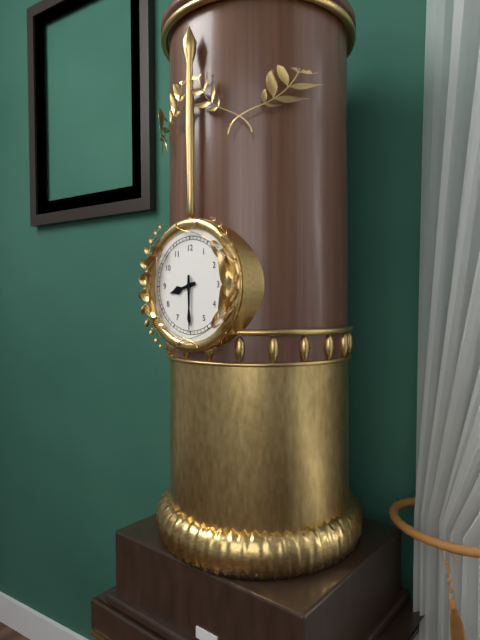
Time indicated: **8:30**
